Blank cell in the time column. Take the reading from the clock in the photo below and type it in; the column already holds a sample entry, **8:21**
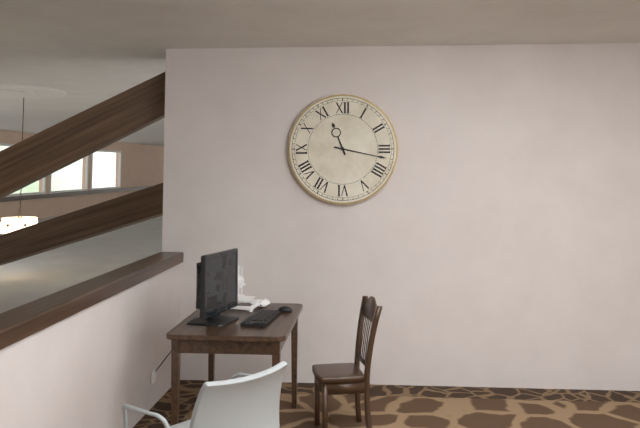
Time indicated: **11:17**
